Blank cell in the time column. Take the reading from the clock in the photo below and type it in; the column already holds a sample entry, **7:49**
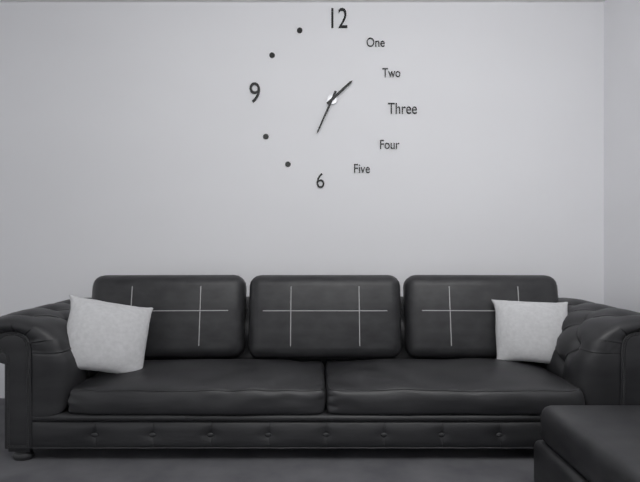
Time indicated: **1:34**
